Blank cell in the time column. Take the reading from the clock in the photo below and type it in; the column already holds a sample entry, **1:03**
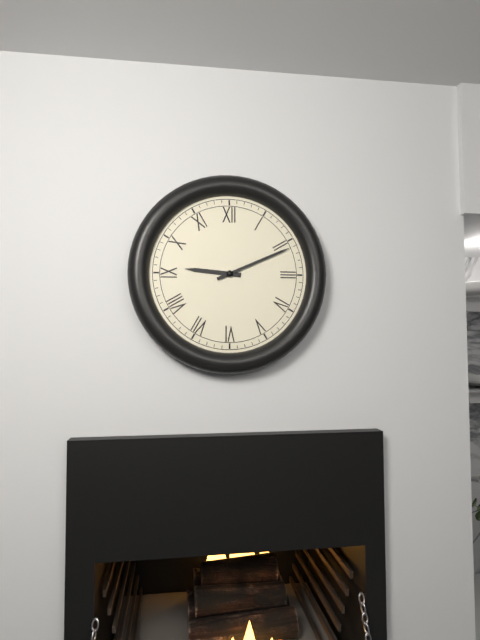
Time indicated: **9:11**
